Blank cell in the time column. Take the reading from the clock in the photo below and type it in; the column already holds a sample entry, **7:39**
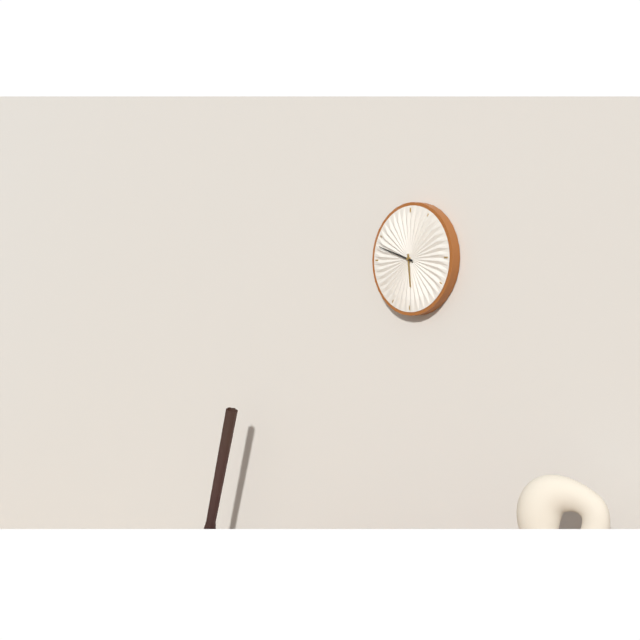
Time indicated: **5:48**
